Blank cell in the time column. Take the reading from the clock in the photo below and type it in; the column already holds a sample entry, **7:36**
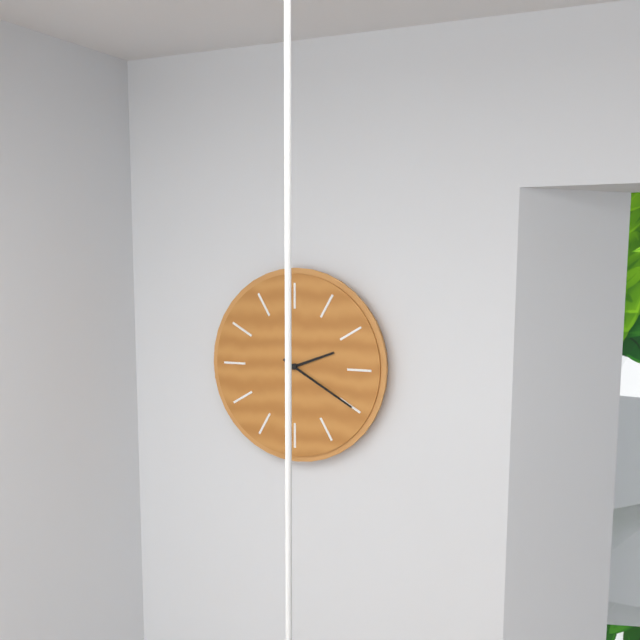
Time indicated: **2:20**
